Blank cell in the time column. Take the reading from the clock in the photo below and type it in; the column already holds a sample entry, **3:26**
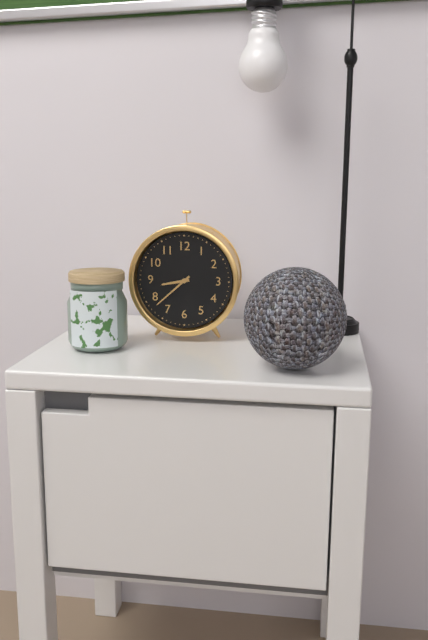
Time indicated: **8:38**
